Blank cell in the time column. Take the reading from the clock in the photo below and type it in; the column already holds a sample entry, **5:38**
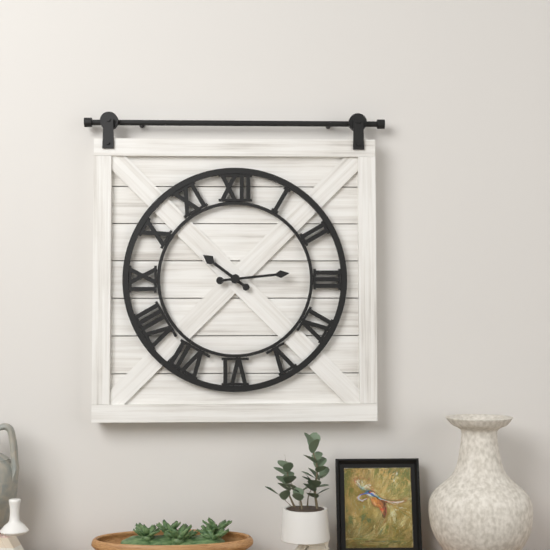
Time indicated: **10:14**
